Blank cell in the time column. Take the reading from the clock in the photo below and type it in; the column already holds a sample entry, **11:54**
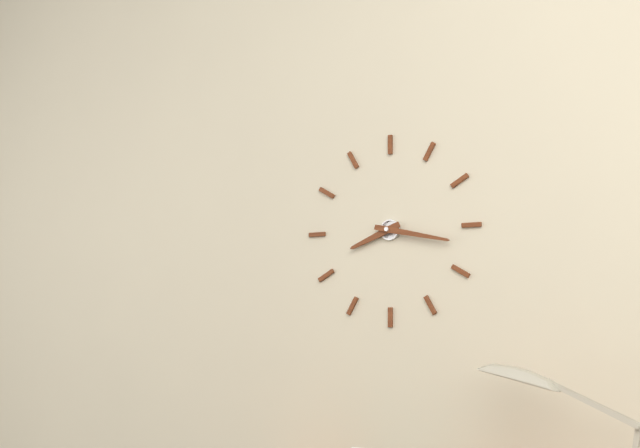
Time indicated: **8:17**
